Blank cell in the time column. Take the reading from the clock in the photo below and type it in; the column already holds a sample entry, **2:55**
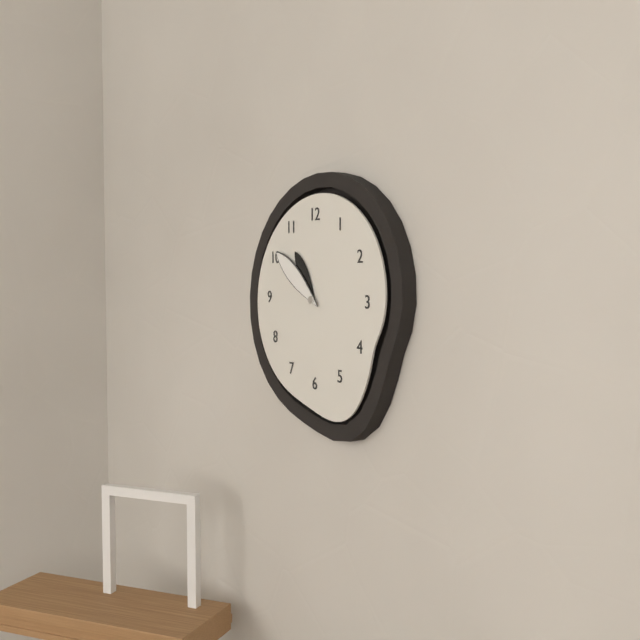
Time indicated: **10:51**
